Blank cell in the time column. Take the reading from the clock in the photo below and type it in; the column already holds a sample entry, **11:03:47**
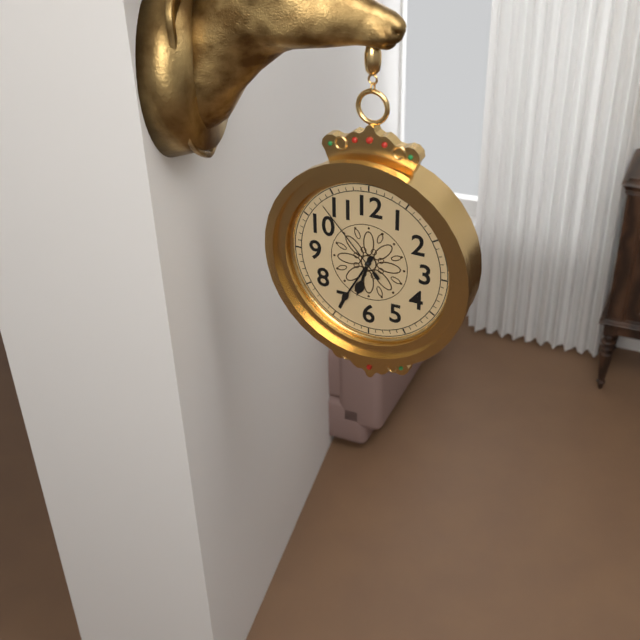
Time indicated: **6:35:53**
